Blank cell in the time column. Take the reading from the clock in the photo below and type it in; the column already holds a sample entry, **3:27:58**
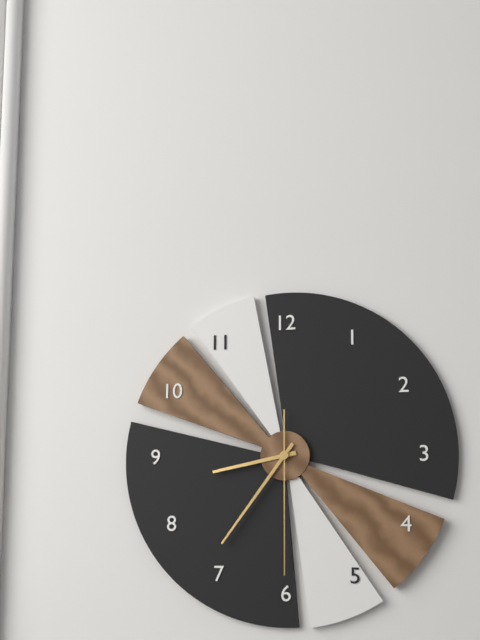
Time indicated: **8:36:30**
